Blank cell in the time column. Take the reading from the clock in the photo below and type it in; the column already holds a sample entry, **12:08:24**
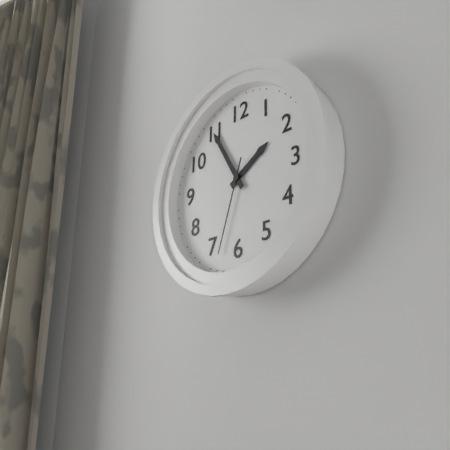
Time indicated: **1:55:33**
